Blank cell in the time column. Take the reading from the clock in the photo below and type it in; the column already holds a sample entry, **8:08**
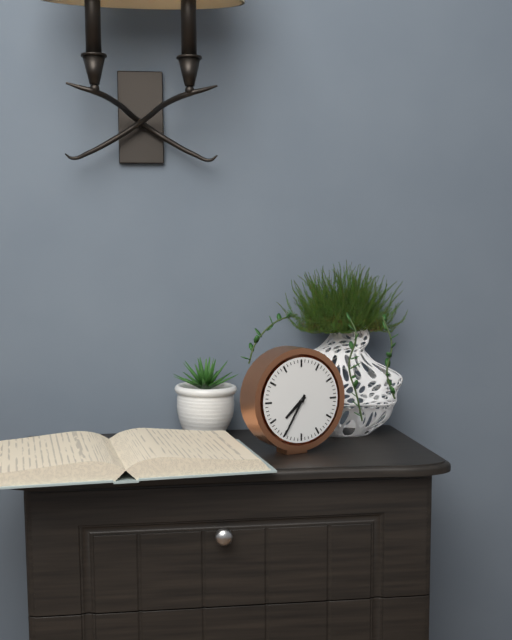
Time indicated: **7:35**
